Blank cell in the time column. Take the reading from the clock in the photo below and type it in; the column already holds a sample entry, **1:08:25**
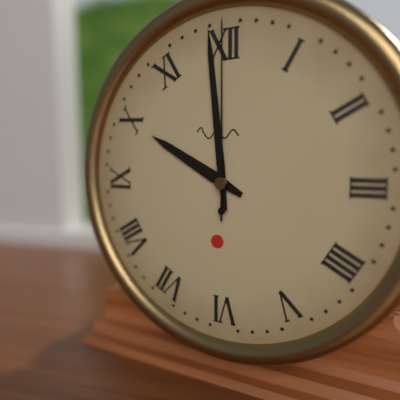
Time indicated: **9:59:00**
